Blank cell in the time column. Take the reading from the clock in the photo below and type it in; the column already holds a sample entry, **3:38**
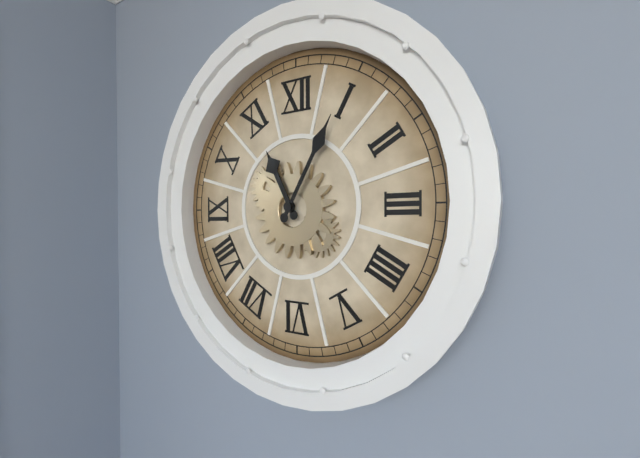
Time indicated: **11:05**
